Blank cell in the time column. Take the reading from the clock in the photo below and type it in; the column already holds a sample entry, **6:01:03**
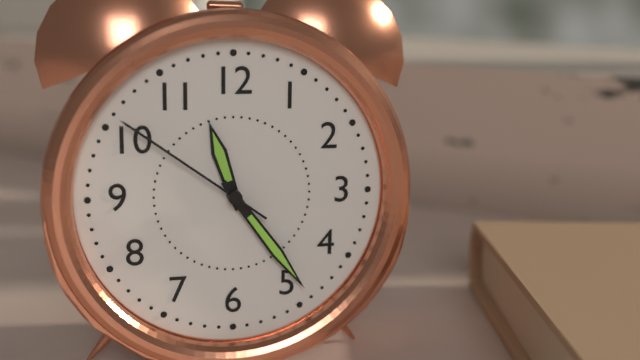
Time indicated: **11:24:51**
